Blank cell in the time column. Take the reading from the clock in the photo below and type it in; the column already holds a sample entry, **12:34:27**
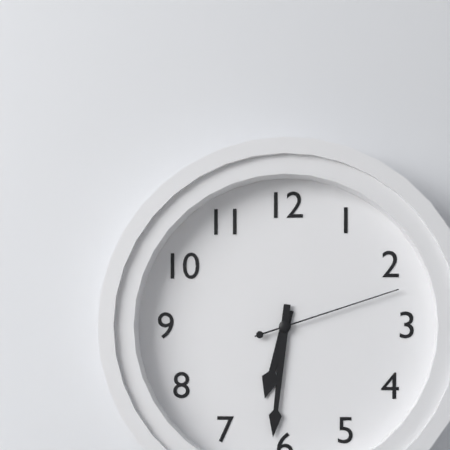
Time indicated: **6:31:12**
